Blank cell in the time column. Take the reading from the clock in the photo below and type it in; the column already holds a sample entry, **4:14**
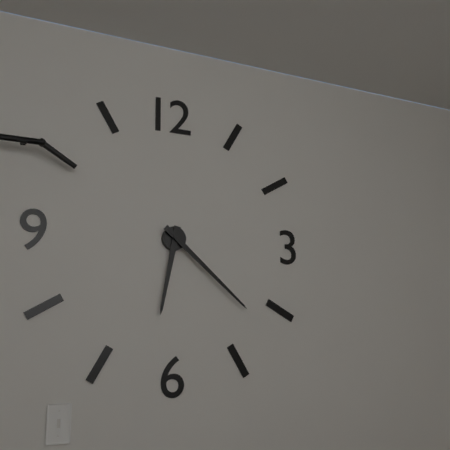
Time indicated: **6:22**
